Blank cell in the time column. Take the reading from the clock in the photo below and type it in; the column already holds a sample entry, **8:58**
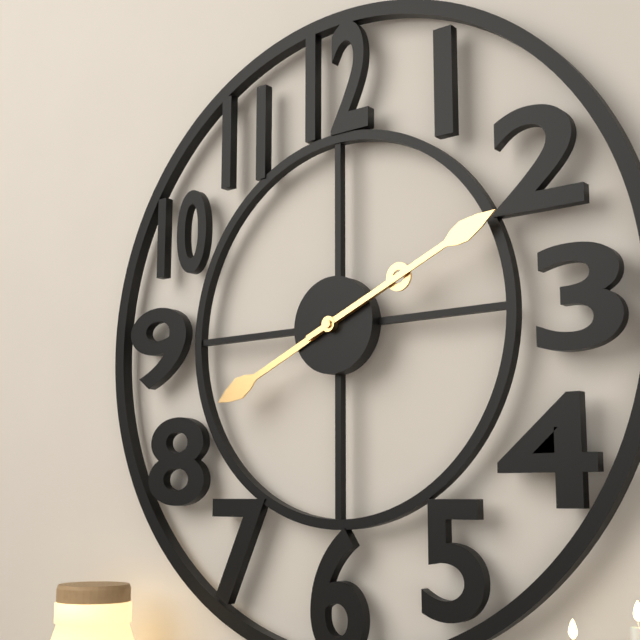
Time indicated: **8:11**
